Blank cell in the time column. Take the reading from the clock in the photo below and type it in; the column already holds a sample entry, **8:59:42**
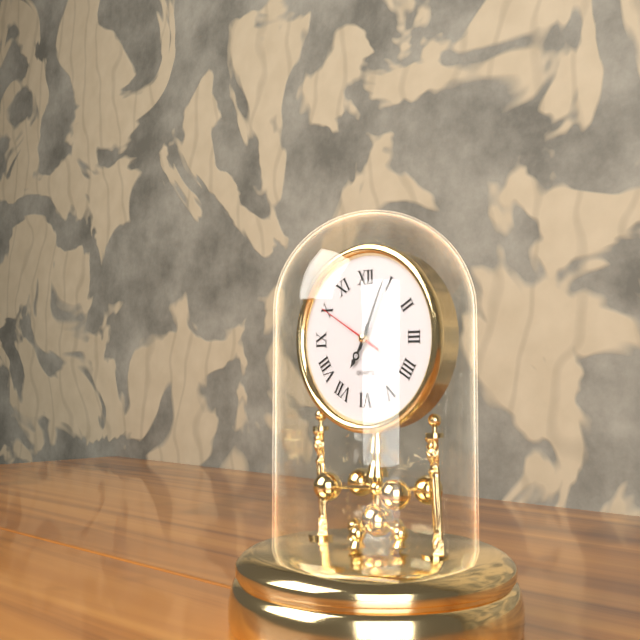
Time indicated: **7:04:50**
